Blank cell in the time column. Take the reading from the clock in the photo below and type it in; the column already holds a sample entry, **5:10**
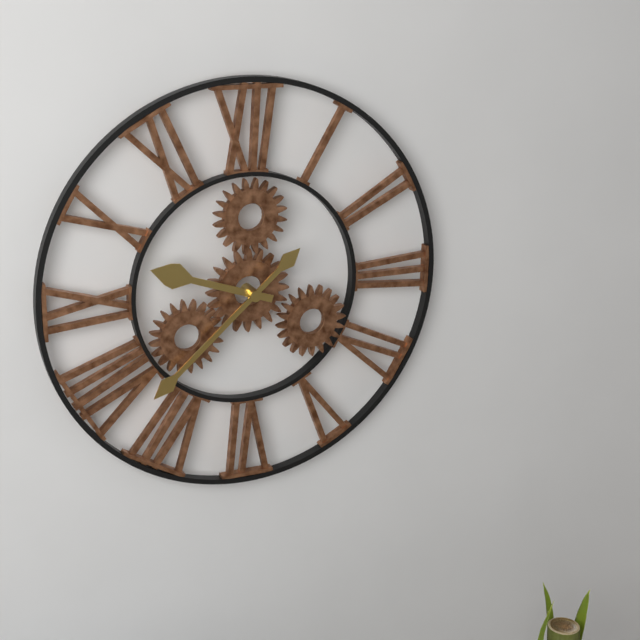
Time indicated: **9:38**
